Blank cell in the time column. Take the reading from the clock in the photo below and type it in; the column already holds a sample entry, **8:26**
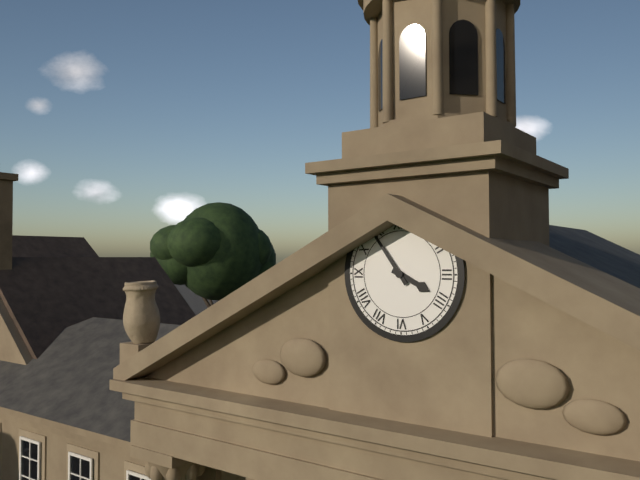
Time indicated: **3:54**
